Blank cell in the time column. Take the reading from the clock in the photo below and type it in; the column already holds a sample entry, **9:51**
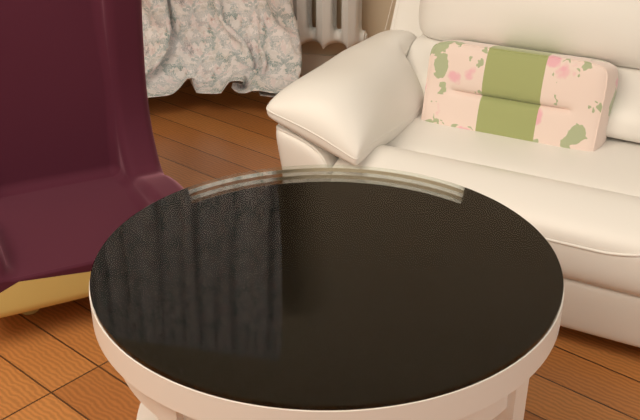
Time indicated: **1:47**
